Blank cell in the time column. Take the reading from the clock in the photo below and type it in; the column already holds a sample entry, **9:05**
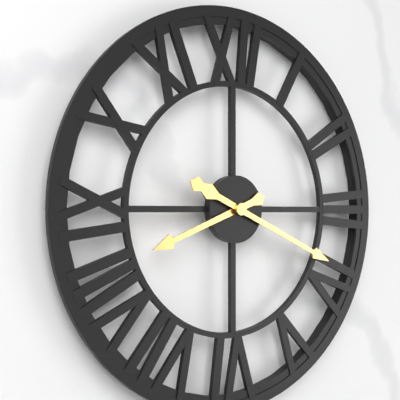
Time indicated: **8:19**
